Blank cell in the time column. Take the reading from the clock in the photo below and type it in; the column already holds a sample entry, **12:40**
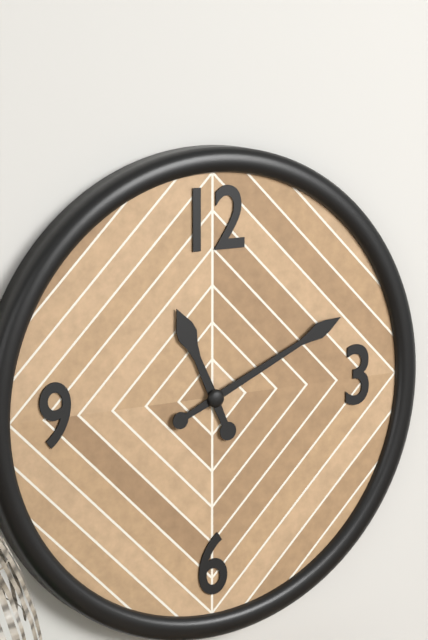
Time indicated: **11:11**
